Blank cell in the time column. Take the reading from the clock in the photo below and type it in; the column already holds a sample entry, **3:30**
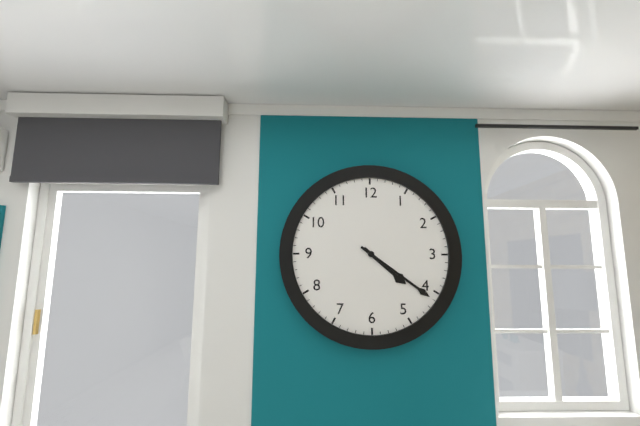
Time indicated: **4:21**
